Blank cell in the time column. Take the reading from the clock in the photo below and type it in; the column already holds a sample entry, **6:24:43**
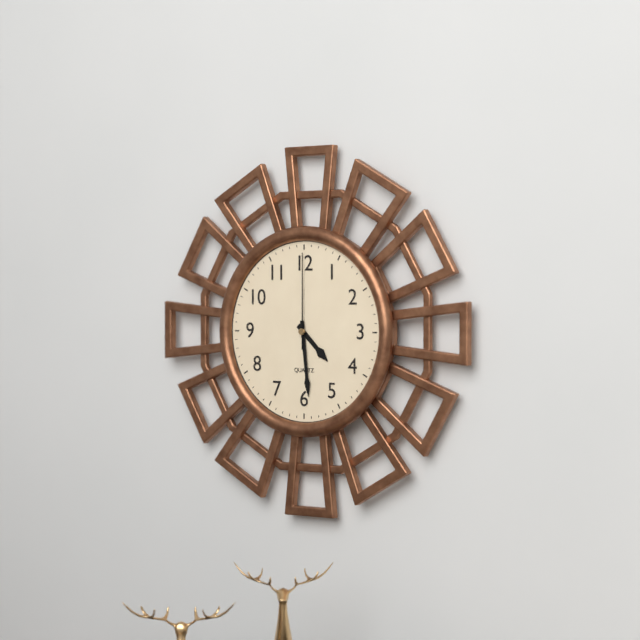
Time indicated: **4:29:00**
